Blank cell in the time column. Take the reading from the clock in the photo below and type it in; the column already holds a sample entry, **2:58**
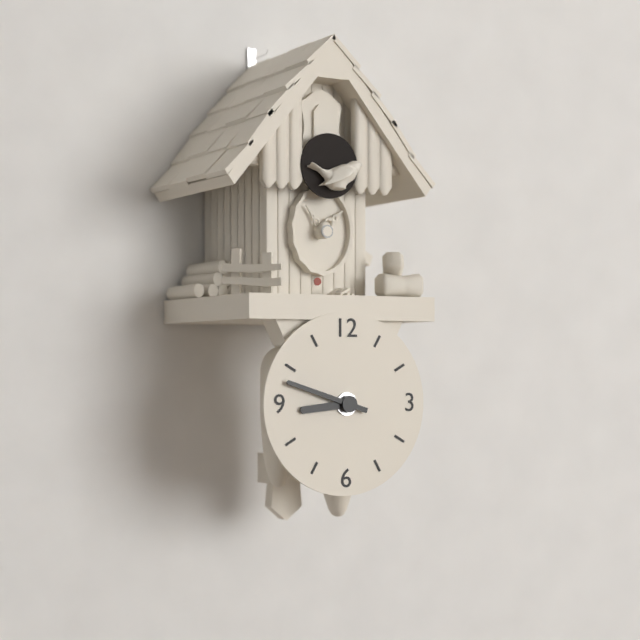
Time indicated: **8:48**
